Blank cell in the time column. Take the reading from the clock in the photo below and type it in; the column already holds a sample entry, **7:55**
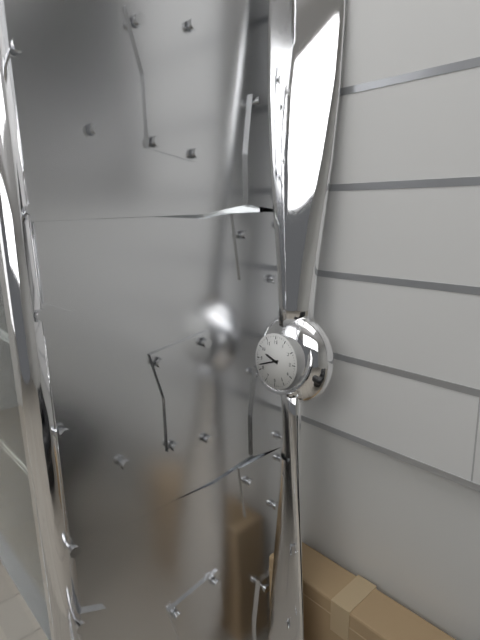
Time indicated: **9:42**
